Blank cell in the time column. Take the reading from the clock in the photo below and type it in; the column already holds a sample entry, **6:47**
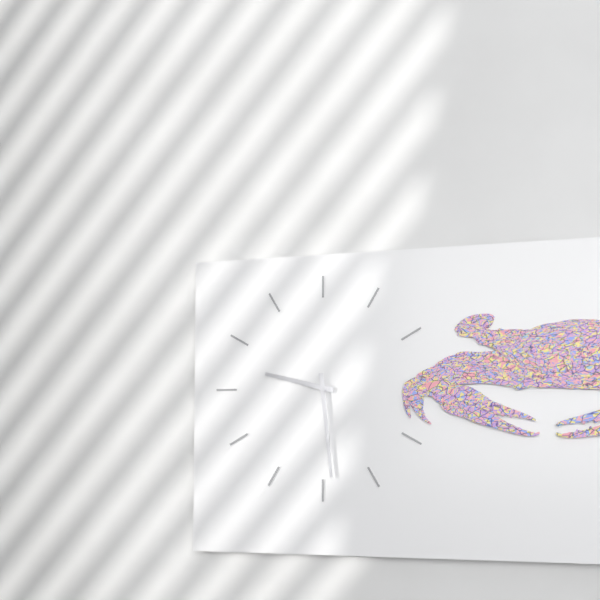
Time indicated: **9:29**
